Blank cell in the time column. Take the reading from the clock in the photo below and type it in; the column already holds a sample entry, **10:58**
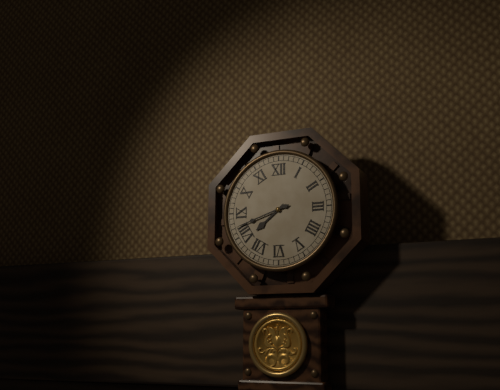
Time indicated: **7:42**
